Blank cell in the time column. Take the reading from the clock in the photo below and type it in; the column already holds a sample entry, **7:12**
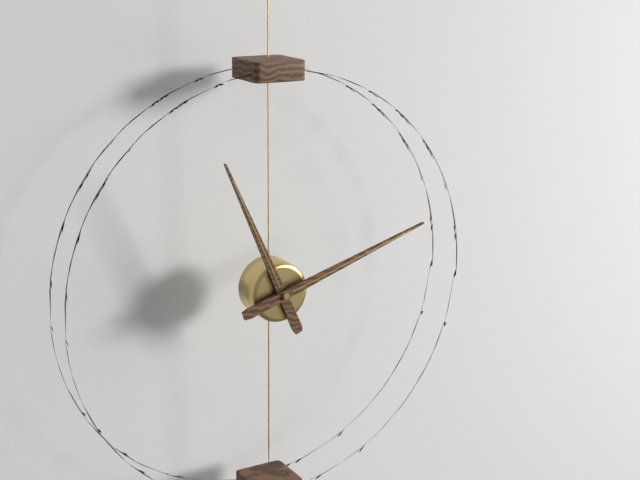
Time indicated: **11:12**
